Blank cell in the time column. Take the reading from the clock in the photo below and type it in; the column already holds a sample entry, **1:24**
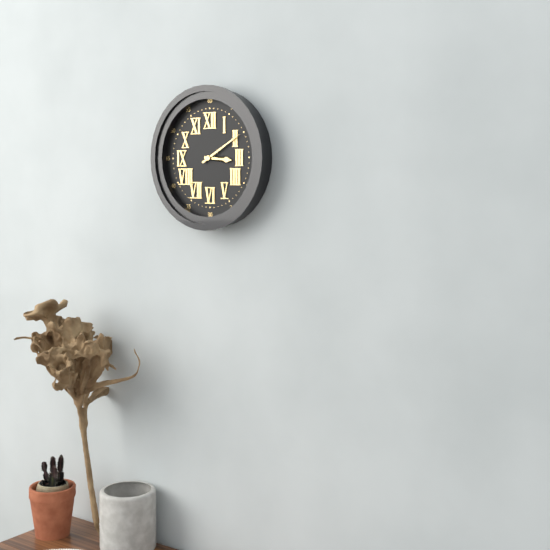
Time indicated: **3:10**
